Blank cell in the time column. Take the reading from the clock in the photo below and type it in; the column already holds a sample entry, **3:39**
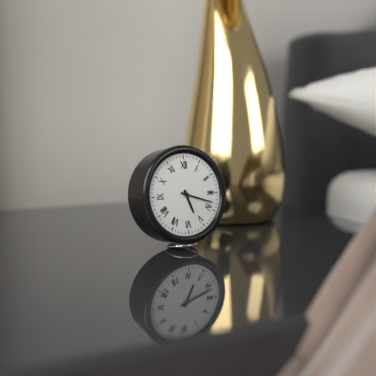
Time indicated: **5:18**
